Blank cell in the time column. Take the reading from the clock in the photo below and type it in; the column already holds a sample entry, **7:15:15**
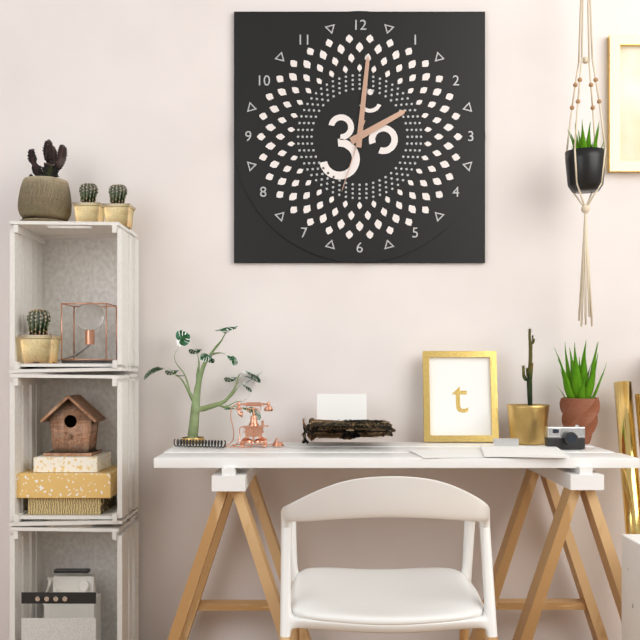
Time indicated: **2:01:33**
